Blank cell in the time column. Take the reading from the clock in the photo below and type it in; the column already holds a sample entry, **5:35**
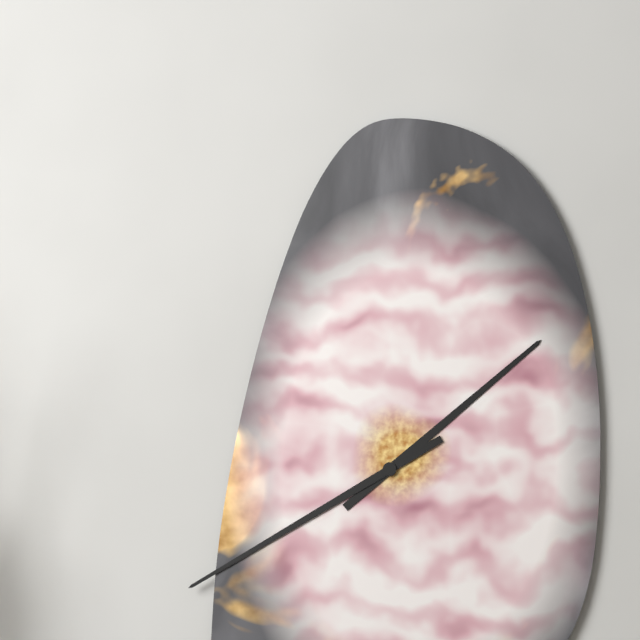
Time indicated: **1:40**
